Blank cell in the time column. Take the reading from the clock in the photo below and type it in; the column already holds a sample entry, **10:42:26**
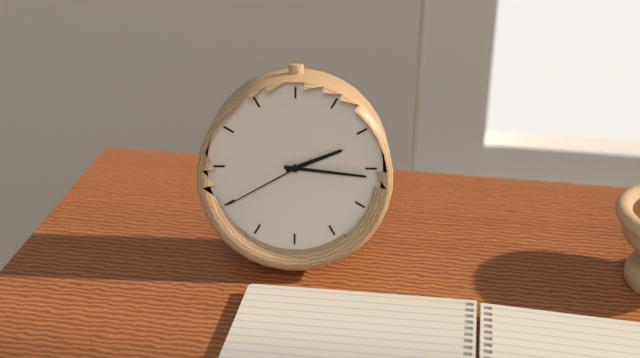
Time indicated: **2:16:40**
